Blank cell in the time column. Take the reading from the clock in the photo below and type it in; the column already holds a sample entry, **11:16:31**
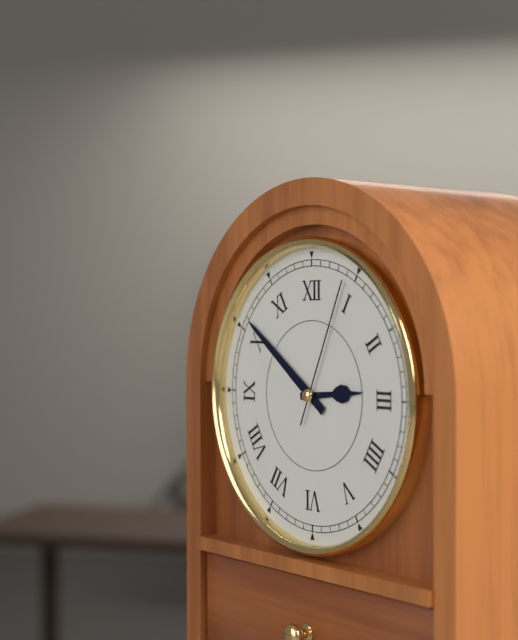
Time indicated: **2:51:04**
